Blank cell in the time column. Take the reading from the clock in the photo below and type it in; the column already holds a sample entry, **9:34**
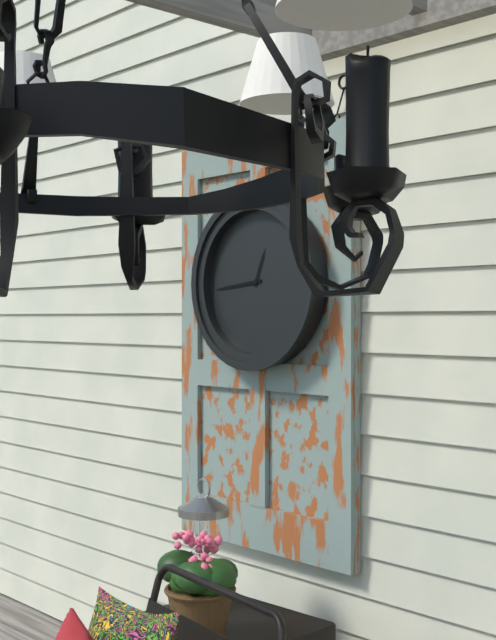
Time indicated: **12:44**
